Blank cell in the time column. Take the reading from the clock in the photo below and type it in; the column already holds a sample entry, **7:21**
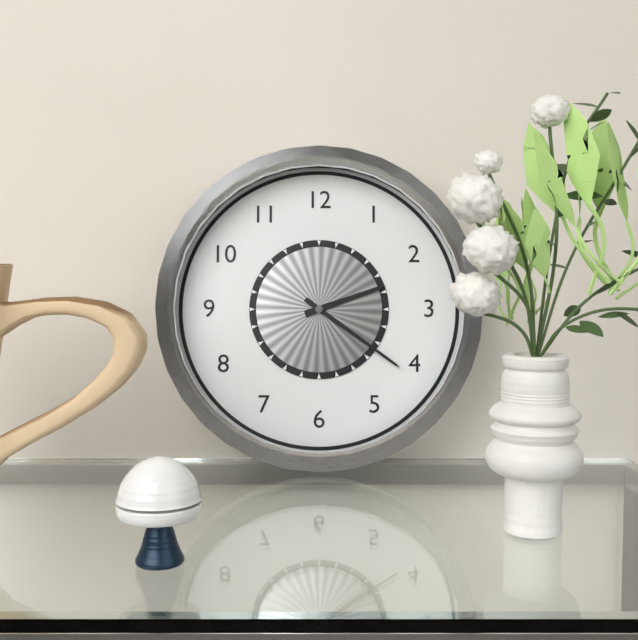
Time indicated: **2:21**
